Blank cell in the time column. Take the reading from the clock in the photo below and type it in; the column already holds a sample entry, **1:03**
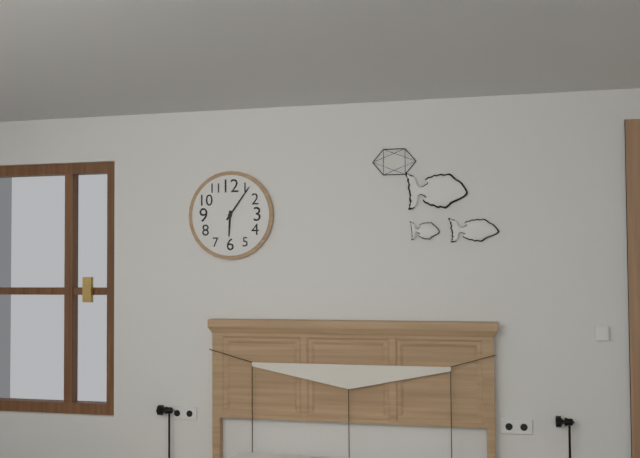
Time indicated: **6:06**
